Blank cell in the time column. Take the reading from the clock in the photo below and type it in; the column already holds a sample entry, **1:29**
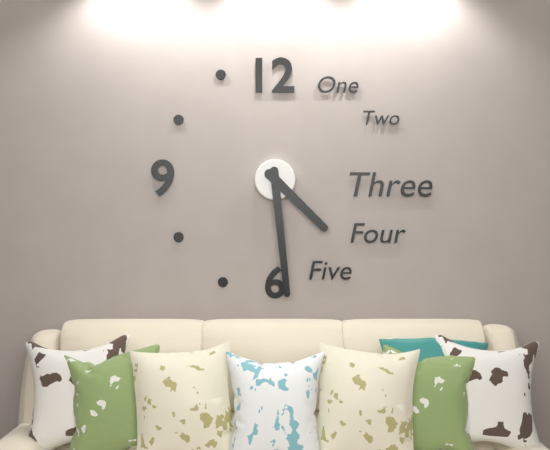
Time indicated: **4:29**
